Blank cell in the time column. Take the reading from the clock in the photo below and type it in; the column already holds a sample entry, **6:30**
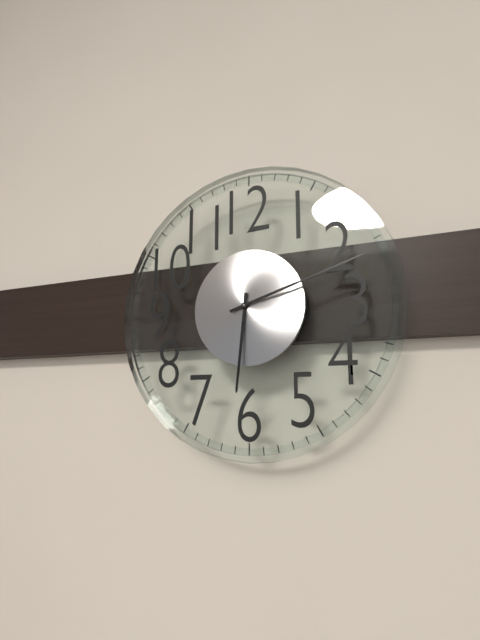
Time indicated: **6:12**
